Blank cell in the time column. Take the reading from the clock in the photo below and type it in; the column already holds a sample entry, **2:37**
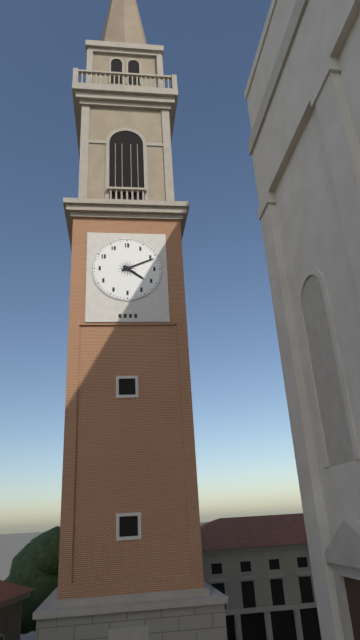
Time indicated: **4:11**
